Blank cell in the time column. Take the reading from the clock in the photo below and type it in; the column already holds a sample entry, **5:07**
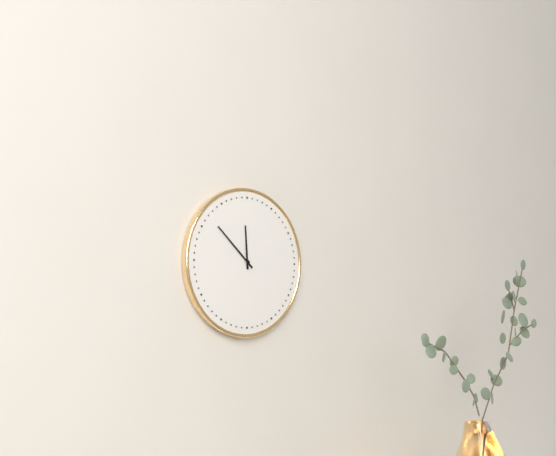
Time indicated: **11:52**
